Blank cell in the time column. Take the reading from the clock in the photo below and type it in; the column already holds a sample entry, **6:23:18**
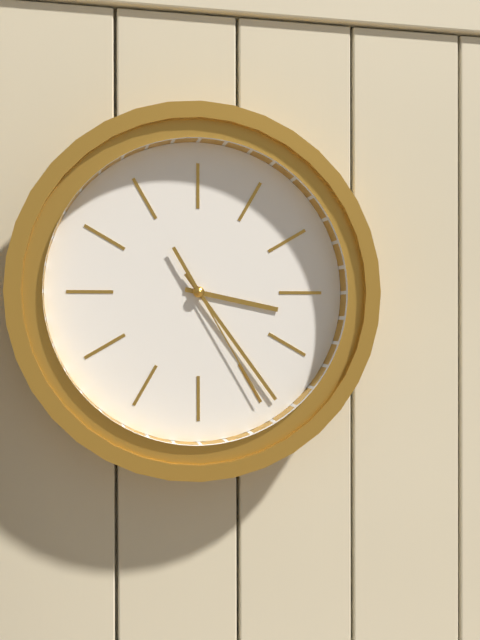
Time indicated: **3:24:25**
